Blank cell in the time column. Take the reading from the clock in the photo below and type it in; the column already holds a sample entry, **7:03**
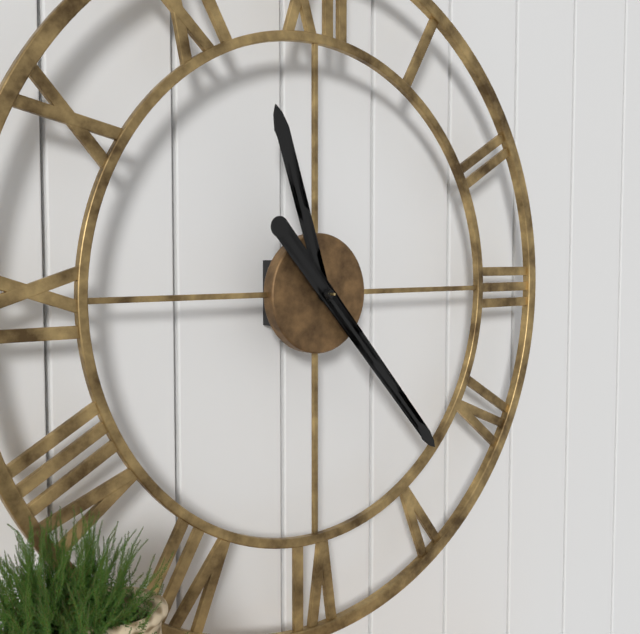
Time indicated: **11:23**
